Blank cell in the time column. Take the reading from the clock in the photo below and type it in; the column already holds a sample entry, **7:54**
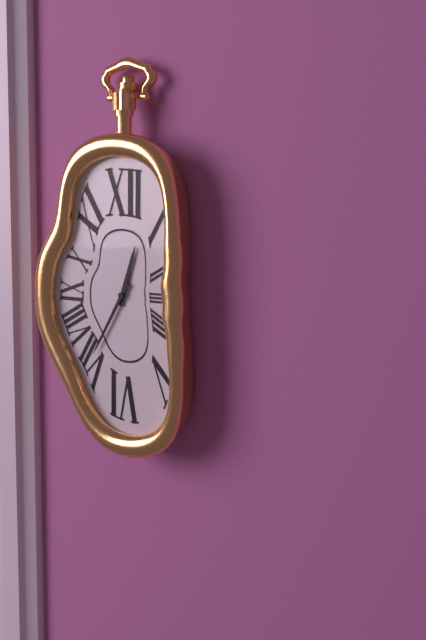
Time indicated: **12:35**
